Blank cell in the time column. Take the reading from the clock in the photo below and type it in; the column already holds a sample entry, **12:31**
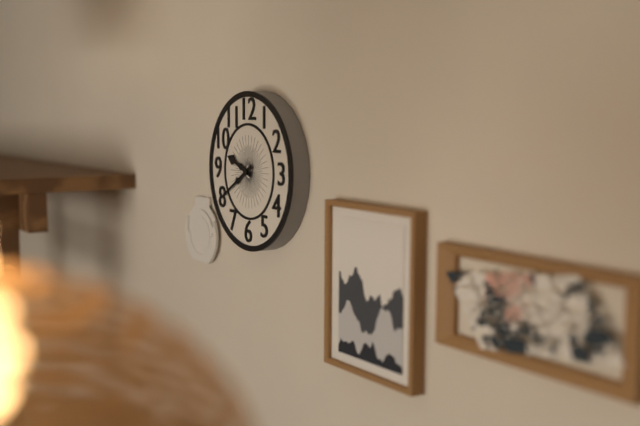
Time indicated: **9:40**
